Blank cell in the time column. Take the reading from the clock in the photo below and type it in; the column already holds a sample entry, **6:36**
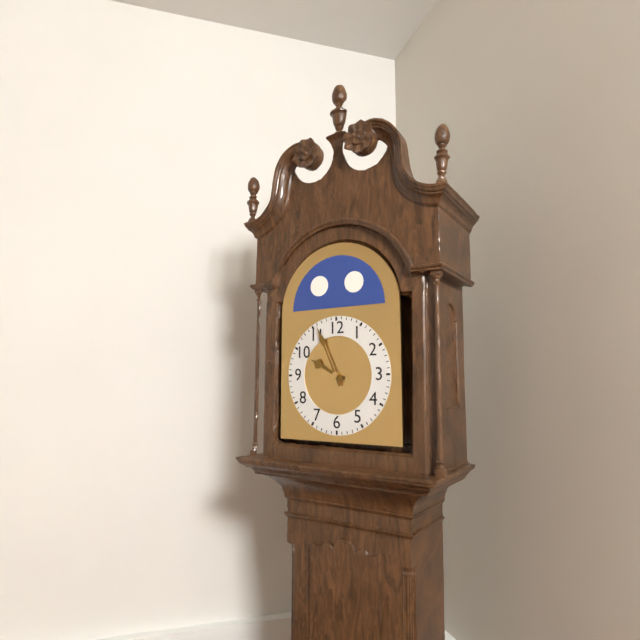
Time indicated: **9:56**
